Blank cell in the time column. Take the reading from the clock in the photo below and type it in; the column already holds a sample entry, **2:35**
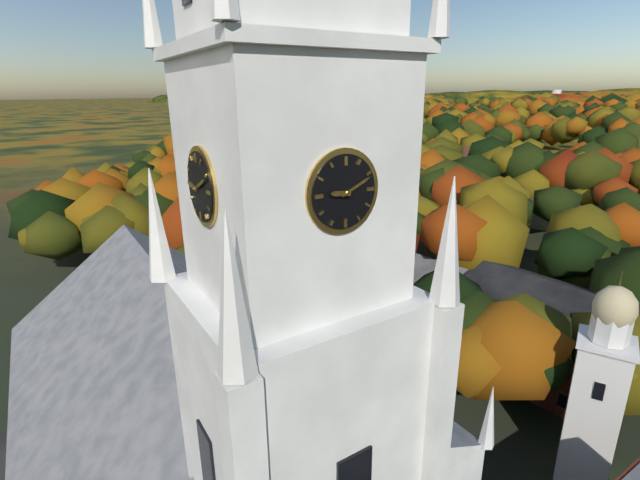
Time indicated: **9:11**
